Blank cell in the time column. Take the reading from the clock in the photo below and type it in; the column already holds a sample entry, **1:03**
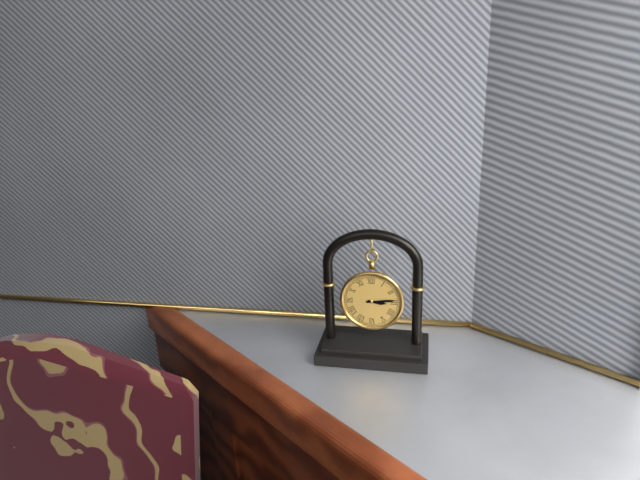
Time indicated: **3:14**
